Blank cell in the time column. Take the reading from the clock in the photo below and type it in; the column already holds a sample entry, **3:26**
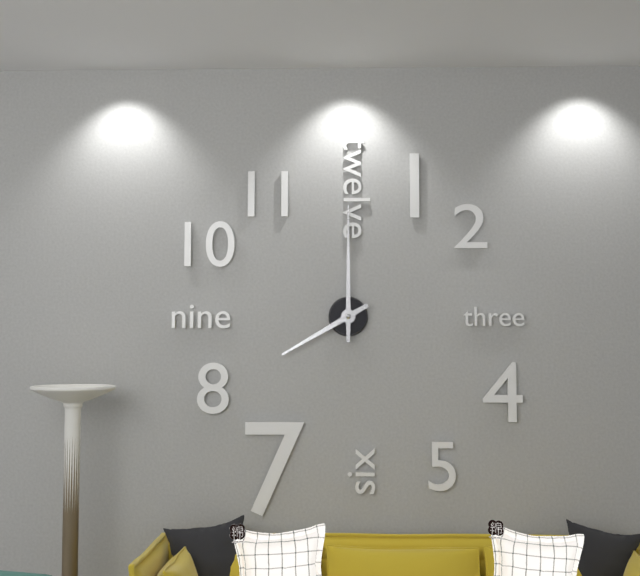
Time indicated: **8:00**
